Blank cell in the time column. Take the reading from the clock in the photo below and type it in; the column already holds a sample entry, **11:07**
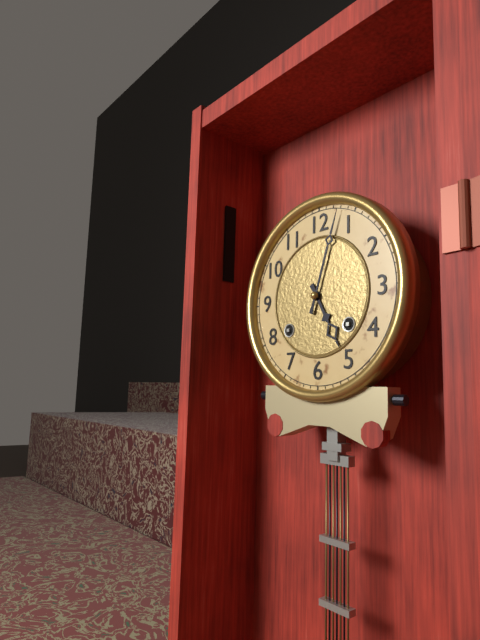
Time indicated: **5:03**
